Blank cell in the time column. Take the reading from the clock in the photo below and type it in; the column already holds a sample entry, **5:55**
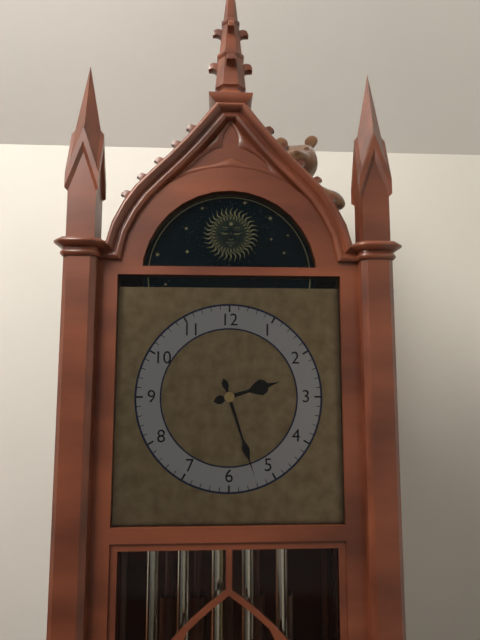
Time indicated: **2:27**
